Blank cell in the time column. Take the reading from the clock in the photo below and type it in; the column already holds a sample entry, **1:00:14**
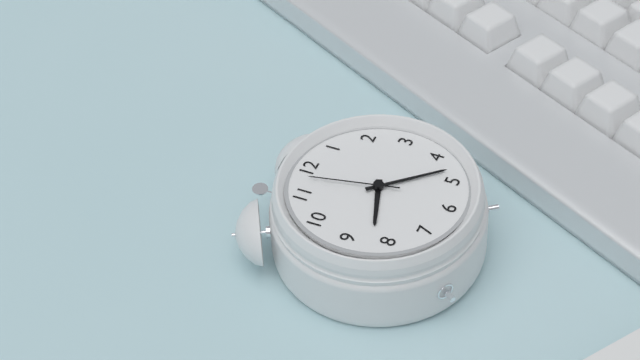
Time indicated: **8:23:58**
